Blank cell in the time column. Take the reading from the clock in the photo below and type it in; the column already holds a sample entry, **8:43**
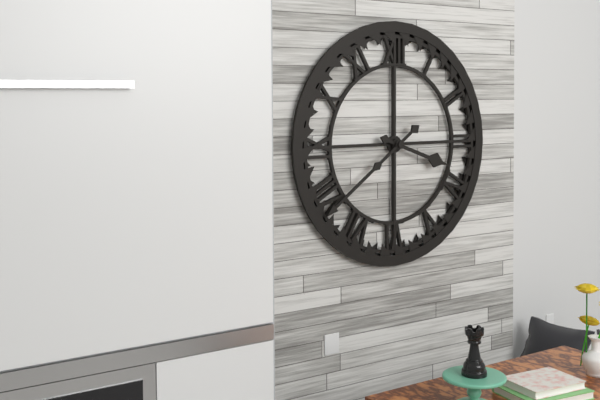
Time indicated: **3:39**
